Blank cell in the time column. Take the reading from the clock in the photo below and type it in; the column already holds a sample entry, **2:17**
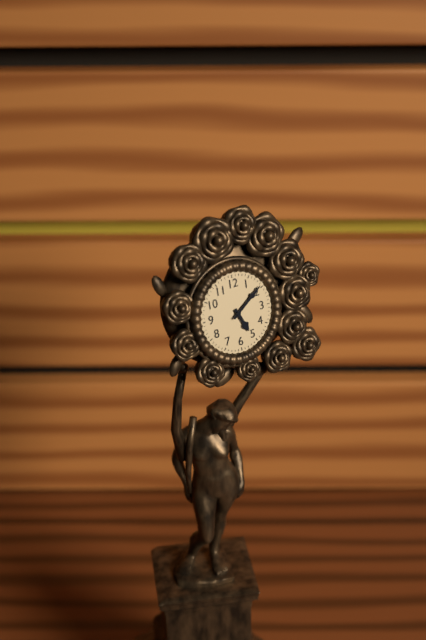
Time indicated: **5:09**
